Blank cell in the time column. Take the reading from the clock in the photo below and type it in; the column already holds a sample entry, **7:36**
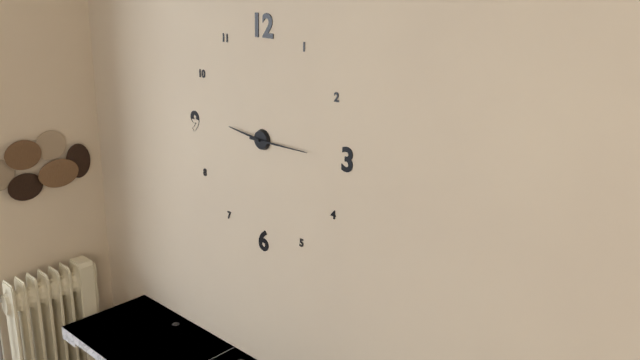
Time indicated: **9:15**
